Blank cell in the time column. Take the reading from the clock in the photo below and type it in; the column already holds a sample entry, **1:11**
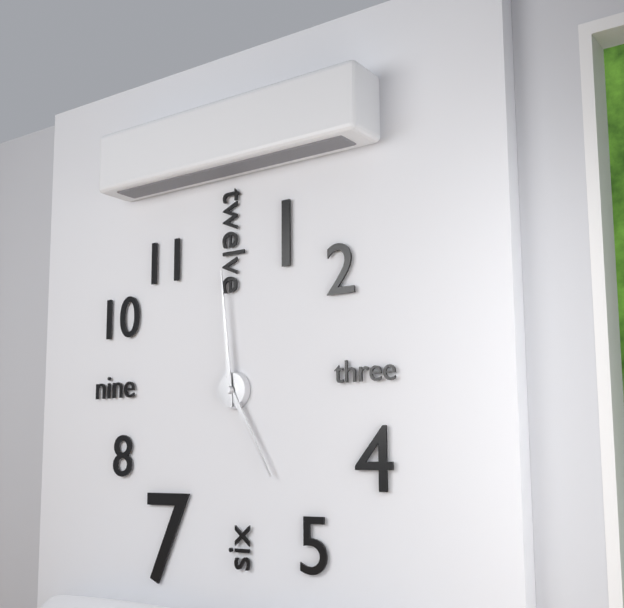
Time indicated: **4:59**
